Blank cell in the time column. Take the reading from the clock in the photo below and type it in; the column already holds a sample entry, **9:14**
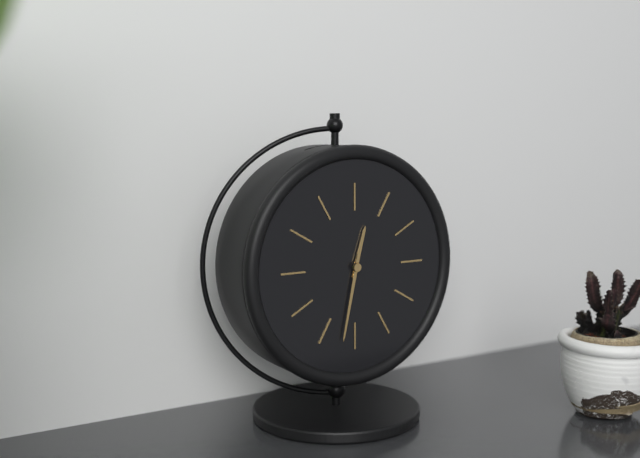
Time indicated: **12:32**
